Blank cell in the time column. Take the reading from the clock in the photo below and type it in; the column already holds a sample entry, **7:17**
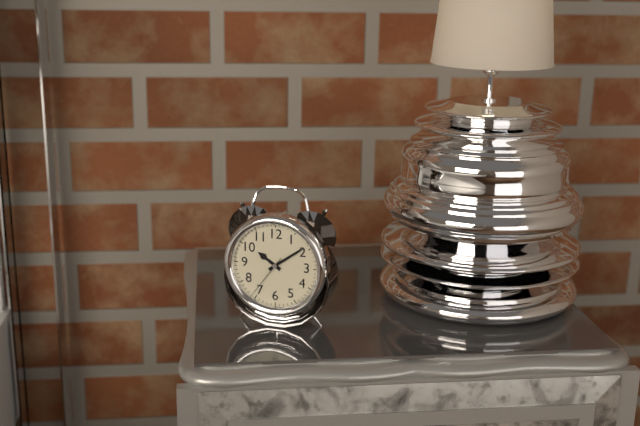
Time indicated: **10:09**
